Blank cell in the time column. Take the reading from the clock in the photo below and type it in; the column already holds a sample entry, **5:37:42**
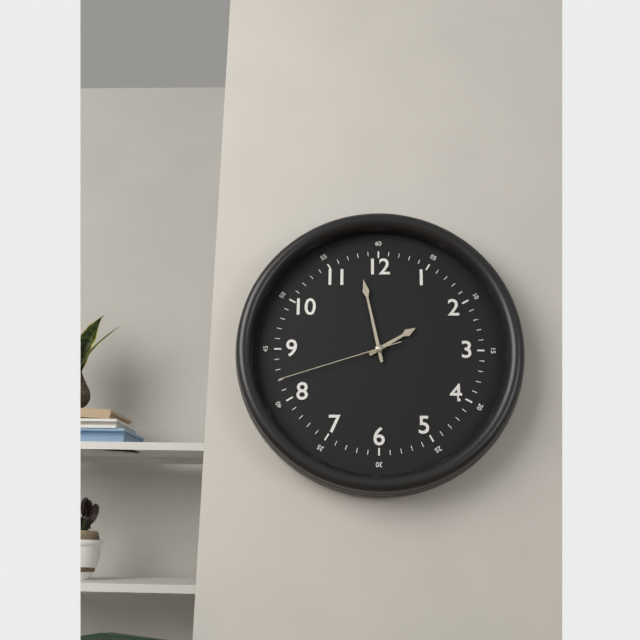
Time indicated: **1:58:42**
